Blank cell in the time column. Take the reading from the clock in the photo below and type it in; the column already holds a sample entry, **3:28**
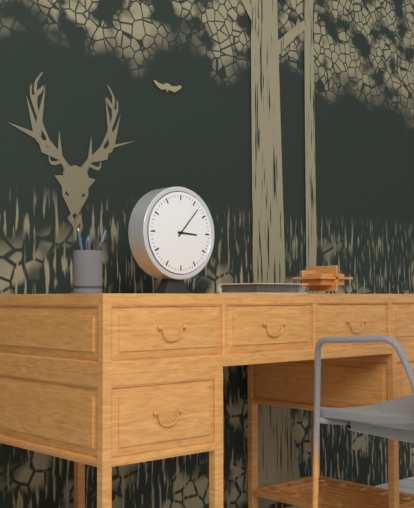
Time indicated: **3:07**
